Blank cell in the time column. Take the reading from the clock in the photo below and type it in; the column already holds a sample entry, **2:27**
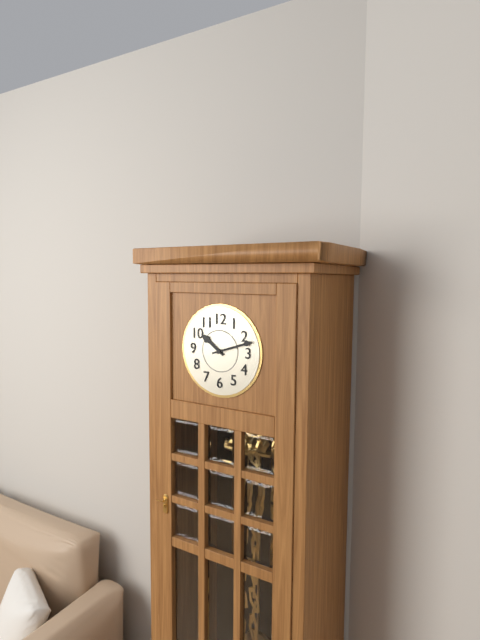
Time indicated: **10:12**
